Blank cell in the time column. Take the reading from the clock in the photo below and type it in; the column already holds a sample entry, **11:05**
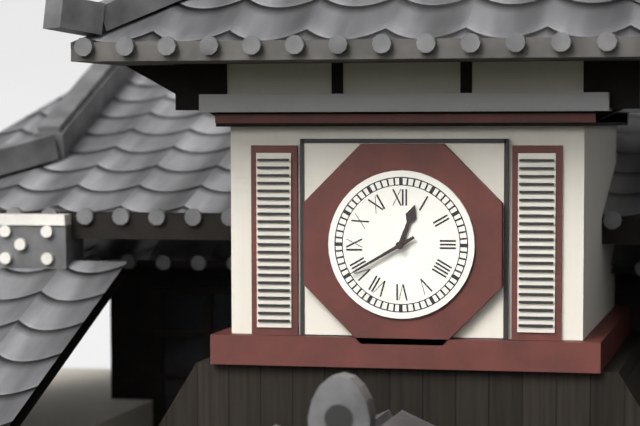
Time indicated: **12:40**
